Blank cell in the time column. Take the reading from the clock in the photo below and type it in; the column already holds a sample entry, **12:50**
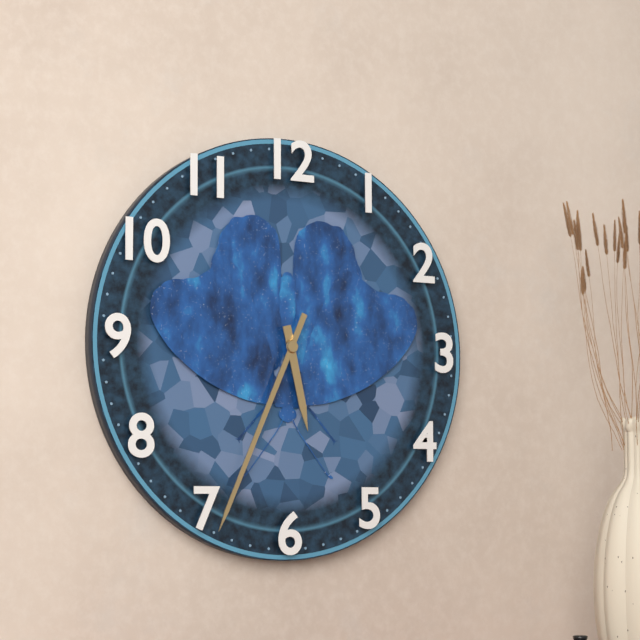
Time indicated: **5:34**
